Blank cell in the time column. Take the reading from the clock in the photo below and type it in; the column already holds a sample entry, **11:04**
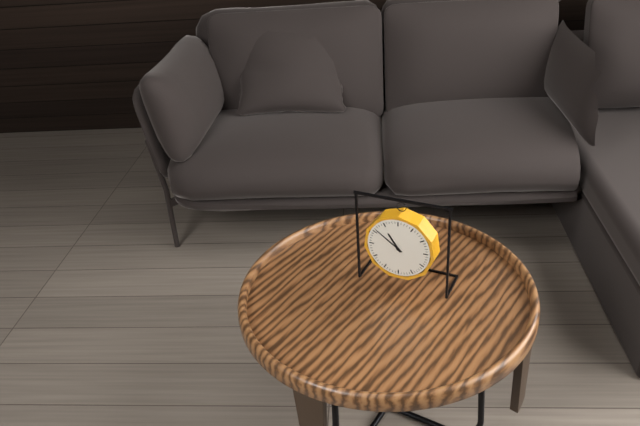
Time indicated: **10:51**
